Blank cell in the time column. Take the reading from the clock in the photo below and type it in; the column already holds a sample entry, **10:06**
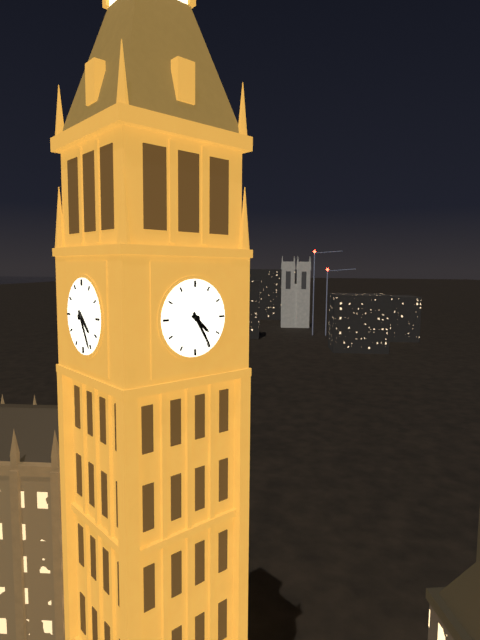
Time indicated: **4:25**
